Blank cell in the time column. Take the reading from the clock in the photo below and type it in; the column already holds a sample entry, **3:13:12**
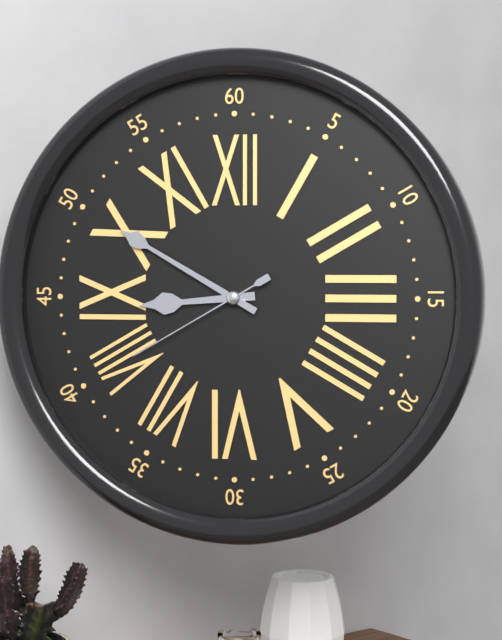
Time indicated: **8:50:40**
